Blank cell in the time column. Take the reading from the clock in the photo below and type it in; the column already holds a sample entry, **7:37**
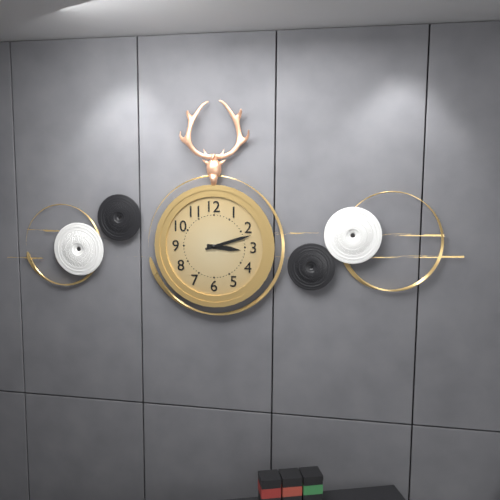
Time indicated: **3:12**
